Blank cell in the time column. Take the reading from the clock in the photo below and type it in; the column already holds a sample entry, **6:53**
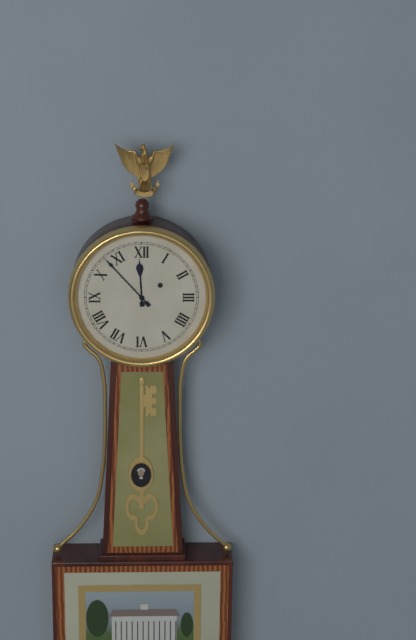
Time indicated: **11:53**
